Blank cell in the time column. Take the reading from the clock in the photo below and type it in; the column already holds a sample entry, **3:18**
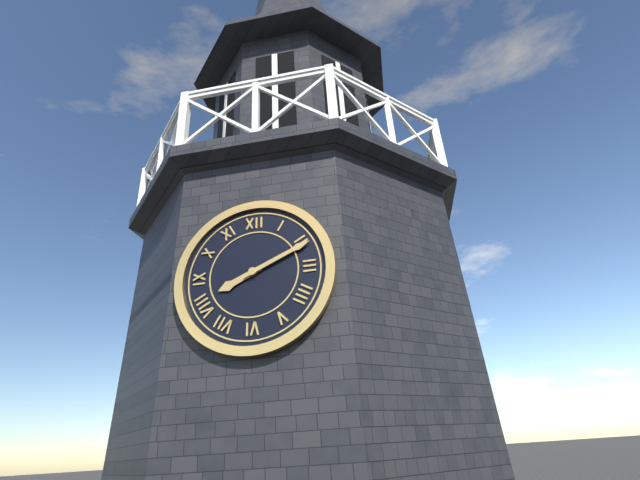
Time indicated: **8:11**
